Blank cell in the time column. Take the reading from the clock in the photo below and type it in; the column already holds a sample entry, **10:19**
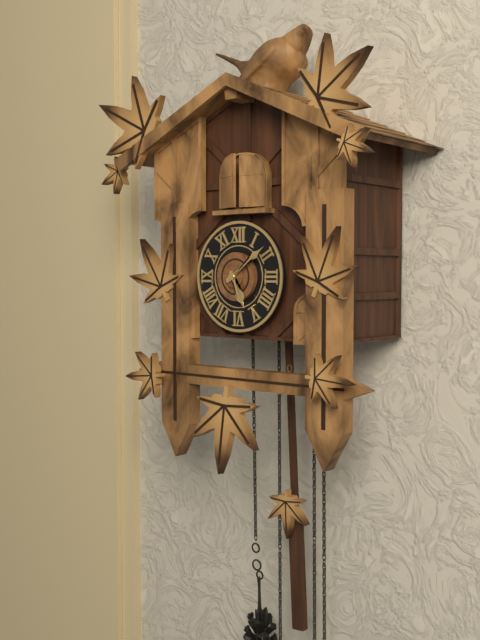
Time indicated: **5:09**
